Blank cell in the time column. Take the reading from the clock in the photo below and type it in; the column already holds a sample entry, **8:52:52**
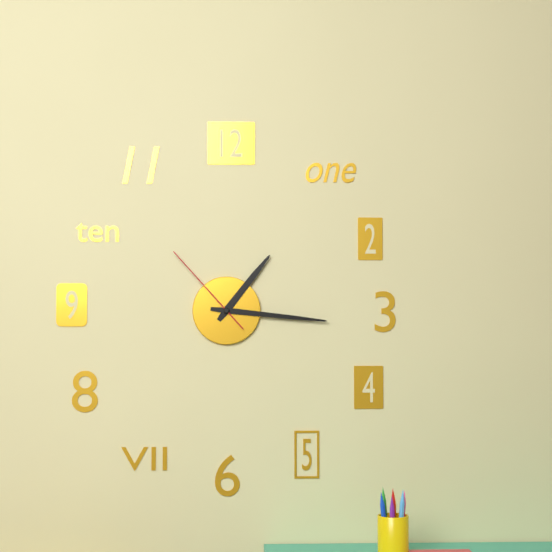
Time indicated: **1:16:53**
